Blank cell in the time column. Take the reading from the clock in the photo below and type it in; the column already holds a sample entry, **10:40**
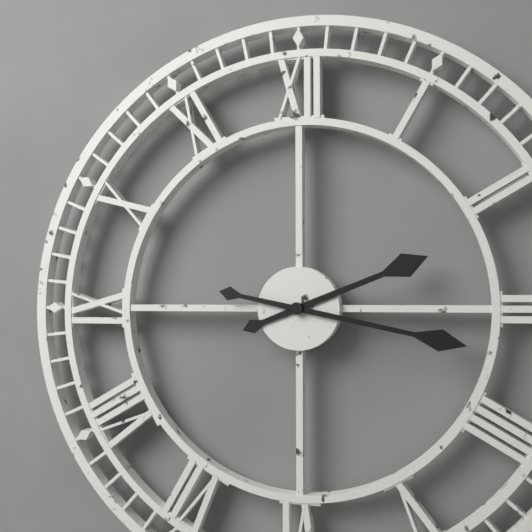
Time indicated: **2:17**
